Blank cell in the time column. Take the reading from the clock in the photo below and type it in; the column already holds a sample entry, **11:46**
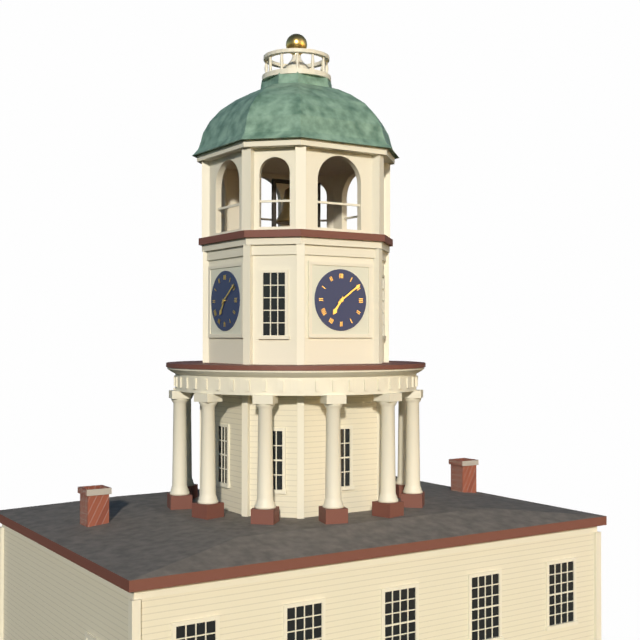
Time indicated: **7:09**
